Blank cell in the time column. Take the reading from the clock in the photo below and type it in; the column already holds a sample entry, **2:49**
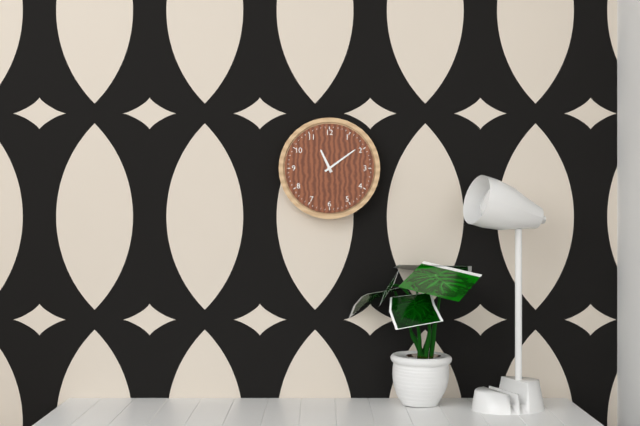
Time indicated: **11:09**
